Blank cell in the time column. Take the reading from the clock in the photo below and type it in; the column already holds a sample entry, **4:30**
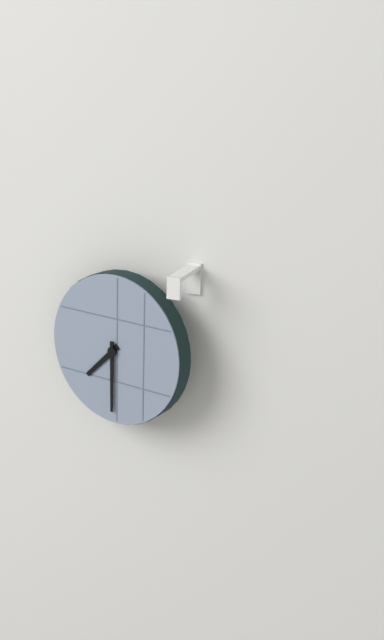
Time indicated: **7:30**
